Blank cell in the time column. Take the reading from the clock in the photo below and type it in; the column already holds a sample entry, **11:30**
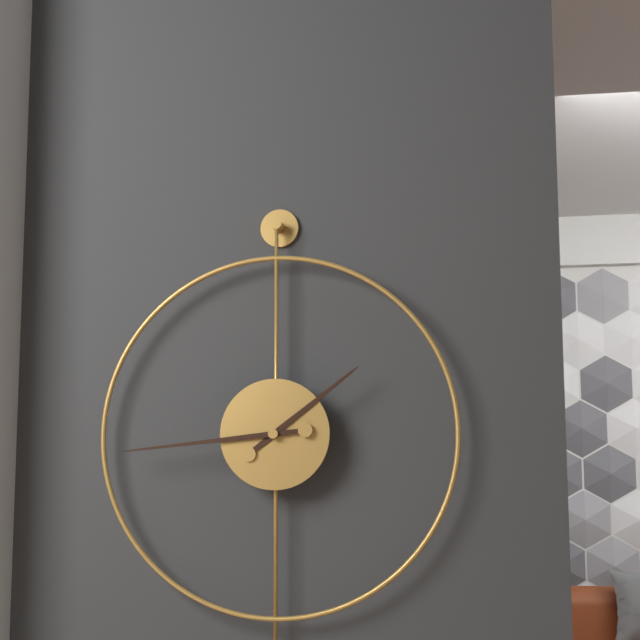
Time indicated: **1:44**
